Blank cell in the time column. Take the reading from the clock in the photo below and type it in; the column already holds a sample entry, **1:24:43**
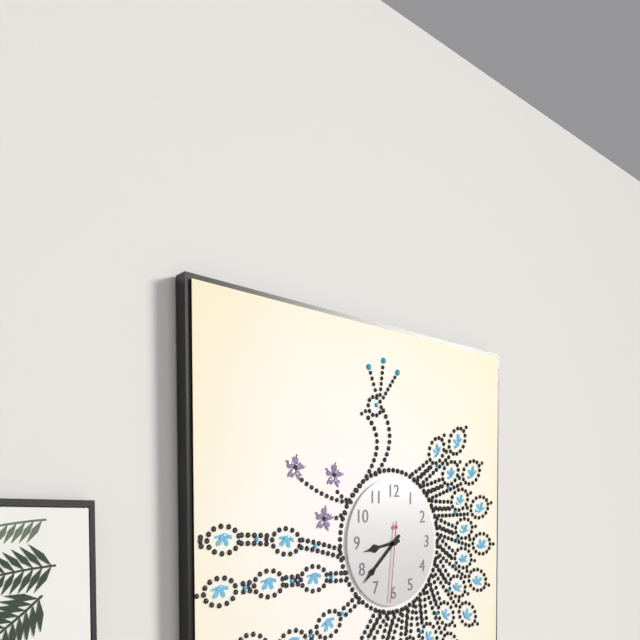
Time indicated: **8:38:31**
